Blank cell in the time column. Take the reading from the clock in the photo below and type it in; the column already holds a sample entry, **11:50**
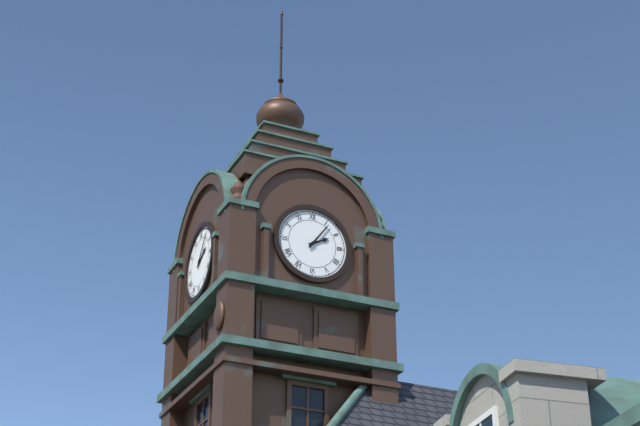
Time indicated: **2:06**
